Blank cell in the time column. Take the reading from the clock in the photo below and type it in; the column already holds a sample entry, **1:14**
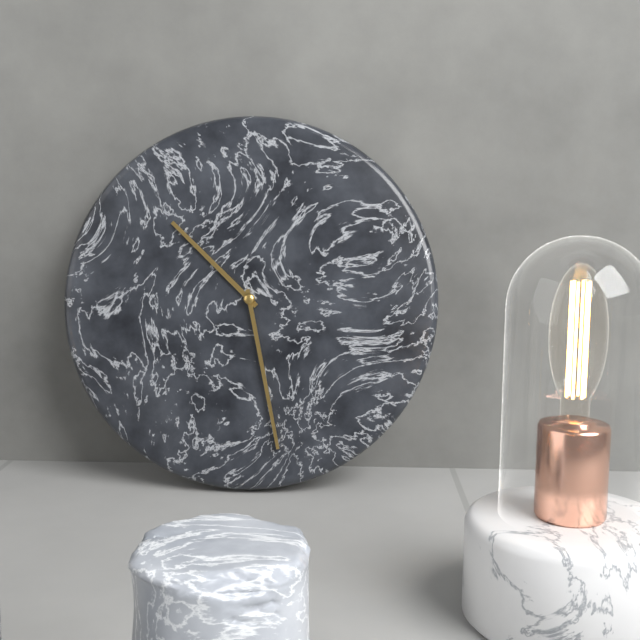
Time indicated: **10:28**
